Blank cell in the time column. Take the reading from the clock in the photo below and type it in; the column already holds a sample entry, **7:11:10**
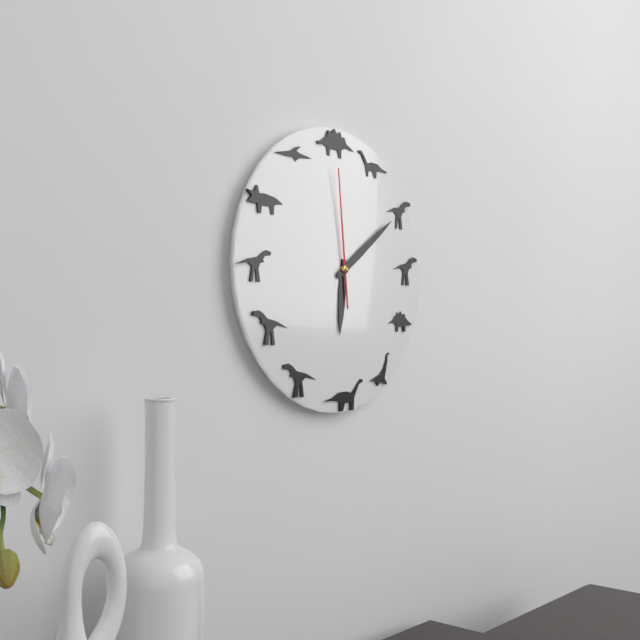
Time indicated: **6:09:59**
